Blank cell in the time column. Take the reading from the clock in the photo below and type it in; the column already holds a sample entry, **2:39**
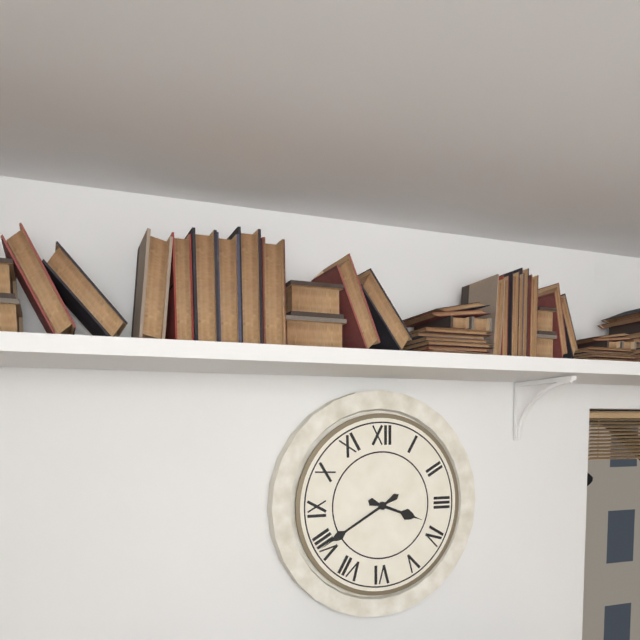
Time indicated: **3:40**
